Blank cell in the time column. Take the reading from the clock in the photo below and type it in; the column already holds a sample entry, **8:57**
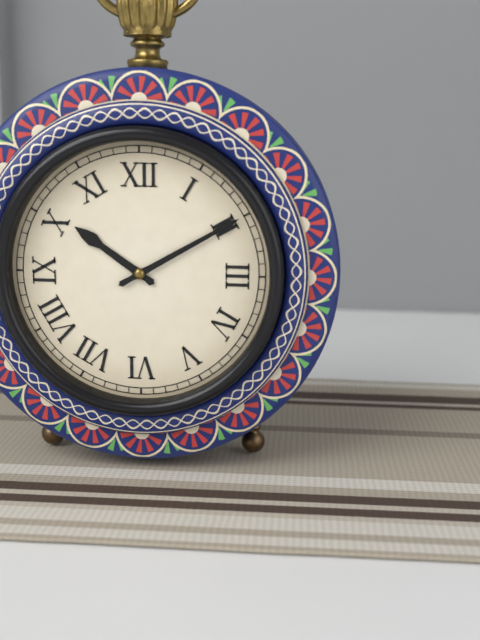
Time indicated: **10:10**
